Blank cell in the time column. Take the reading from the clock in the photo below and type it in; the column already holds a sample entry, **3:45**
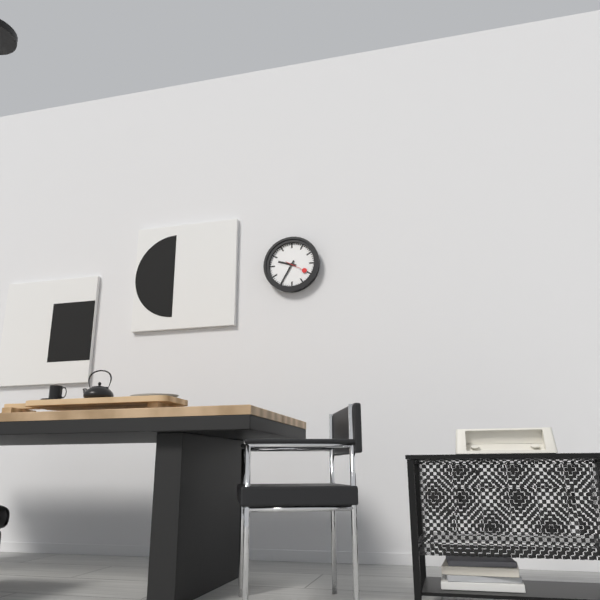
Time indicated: **9:35**
